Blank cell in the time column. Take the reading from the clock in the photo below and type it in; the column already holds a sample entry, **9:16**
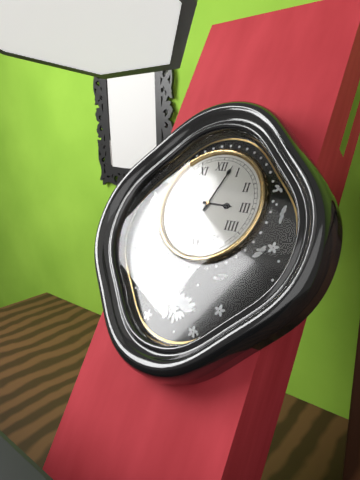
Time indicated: **3:03**
